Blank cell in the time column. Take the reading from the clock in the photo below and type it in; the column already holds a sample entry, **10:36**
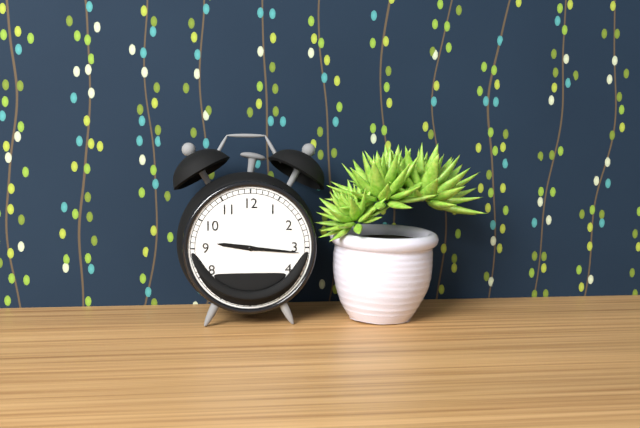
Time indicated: **9:16**
